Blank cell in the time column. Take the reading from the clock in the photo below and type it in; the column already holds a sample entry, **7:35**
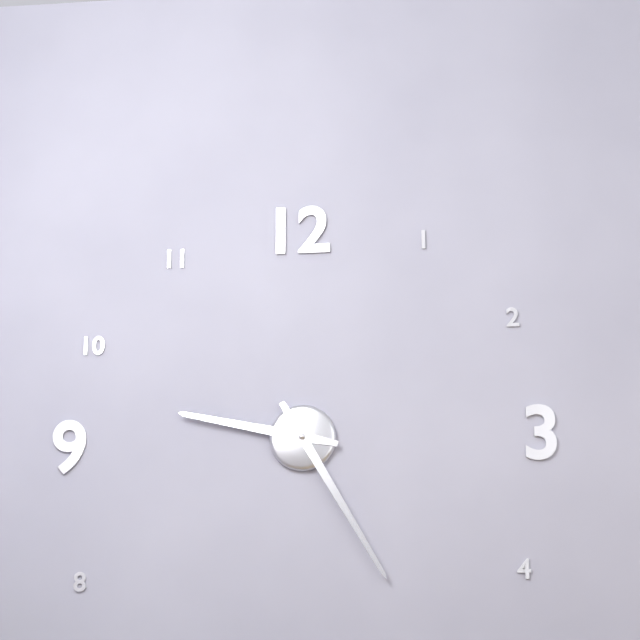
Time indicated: **9:25**
